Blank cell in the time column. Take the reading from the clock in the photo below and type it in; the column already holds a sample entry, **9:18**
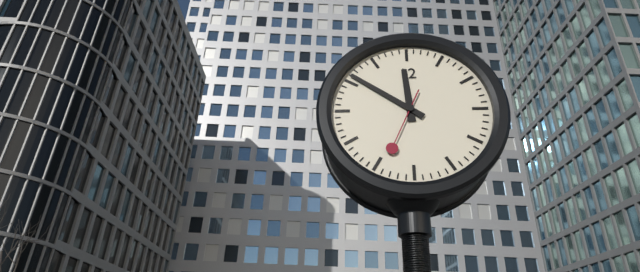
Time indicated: **11:51**
